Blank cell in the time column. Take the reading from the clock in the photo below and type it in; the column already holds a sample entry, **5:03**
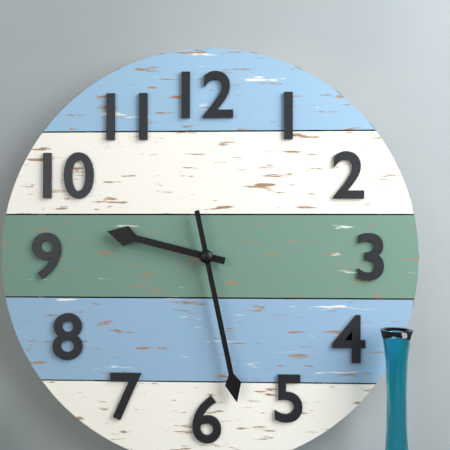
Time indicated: **9:28**
